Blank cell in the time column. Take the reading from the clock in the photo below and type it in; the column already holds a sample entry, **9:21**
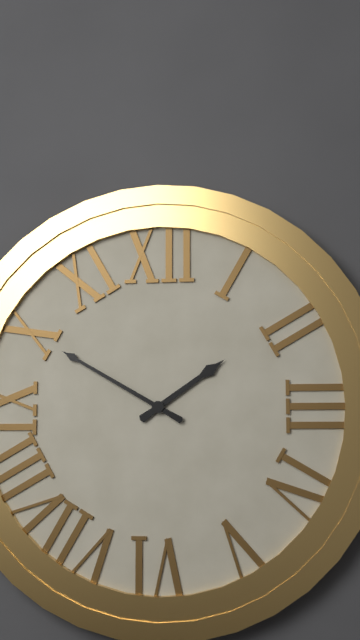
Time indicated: **1:50**
